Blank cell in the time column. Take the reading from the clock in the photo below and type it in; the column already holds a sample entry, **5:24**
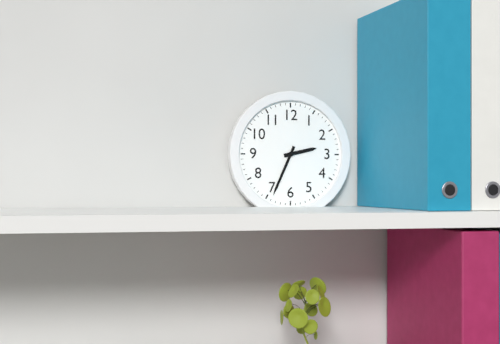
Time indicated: **2:34**
